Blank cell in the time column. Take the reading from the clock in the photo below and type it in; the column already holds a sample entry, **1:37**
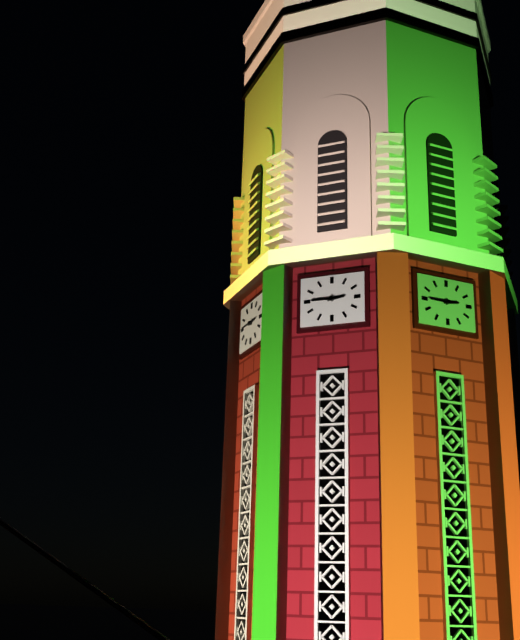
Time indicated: **2:45**
